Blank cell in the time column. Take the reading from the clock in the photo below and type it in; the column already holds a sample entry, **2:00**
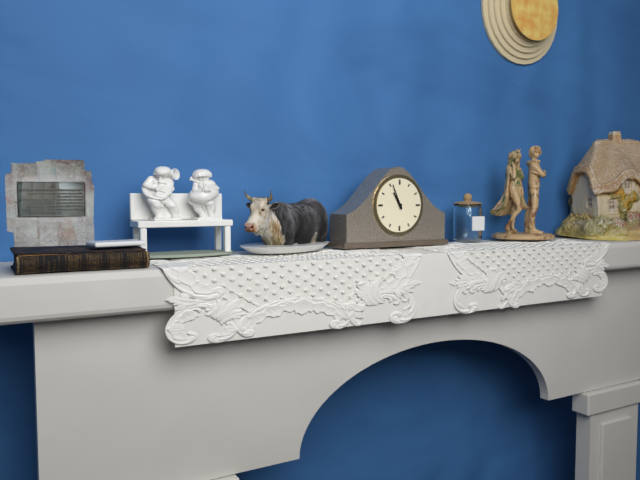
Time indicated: **10:56**
